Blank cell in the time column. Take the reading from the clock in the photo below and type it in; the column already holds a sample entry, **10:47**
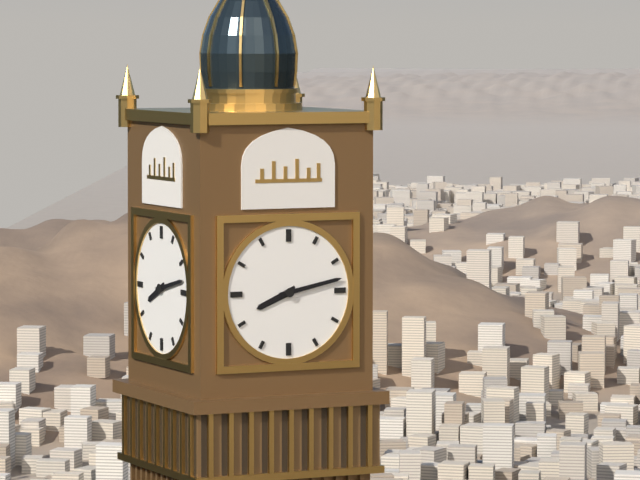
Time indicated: **8:13**
